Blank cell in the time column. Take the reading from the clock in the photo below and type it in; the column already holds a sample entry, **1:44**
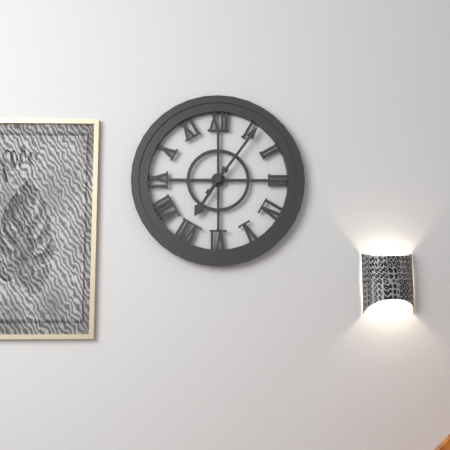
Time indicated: **7:06**
